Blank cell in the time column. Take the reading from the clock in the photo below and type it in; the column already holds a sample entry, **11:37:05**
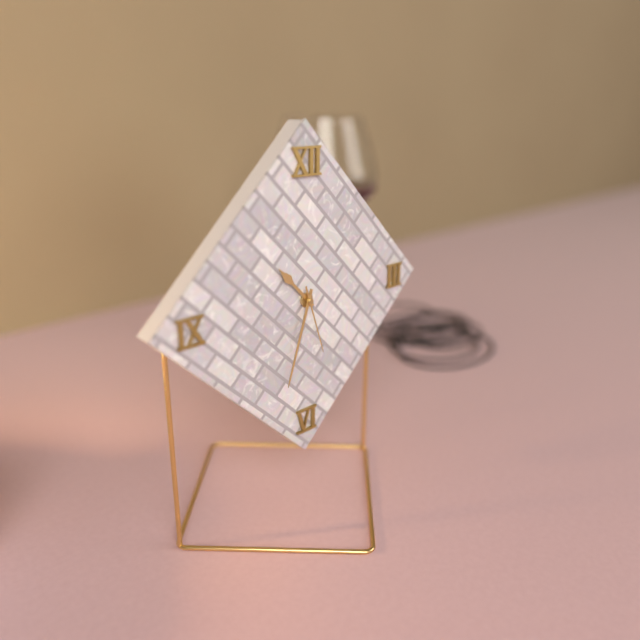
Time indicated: **10:33:27**
